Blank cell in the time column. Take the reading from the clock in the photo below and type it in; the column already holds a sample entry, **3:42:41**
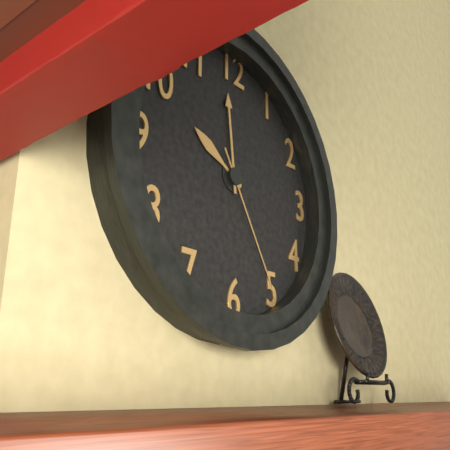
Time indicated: **9:59:25**
